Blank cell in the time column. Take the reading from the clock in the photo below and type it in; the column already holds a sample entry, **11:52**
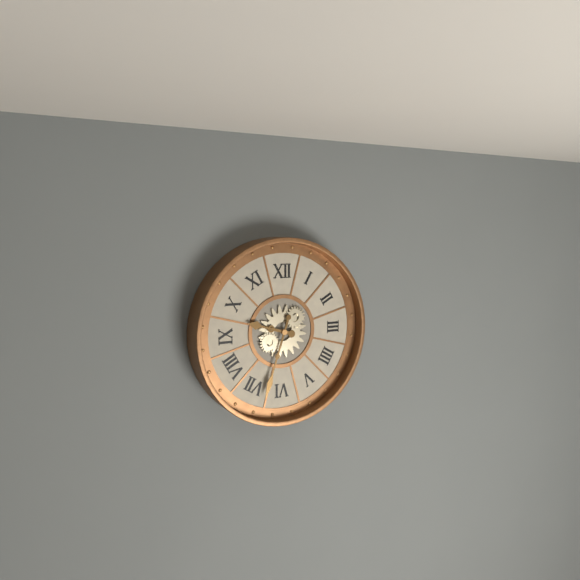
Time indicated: **9:33**
